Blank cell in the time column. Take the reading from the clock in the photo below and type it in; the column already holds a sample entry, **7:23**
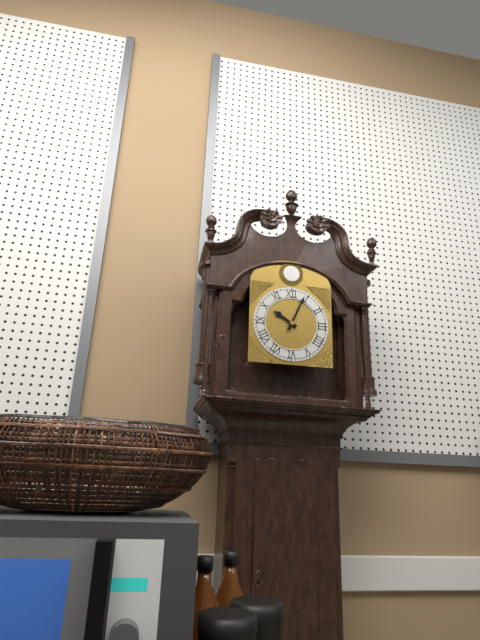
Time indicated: **10:04**
